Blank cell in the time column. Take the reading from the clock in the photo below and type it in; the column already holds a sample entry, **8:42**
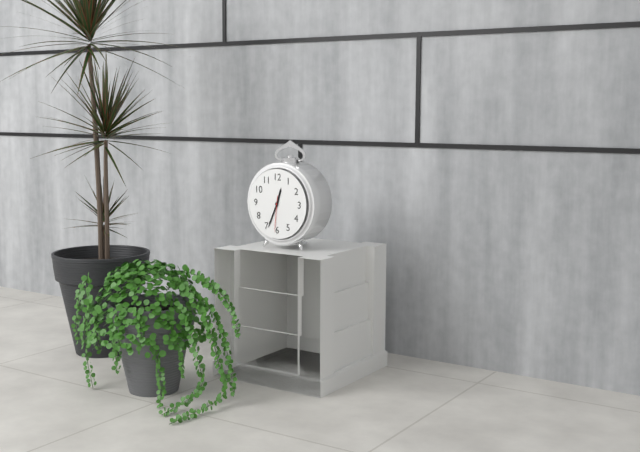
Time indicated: **12:34**
